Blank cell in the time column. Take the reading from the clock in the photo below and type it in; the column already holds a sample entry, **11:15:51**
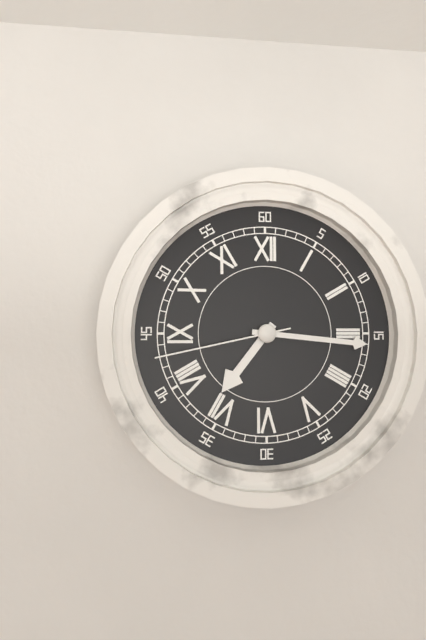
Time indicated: **7:16:43**
